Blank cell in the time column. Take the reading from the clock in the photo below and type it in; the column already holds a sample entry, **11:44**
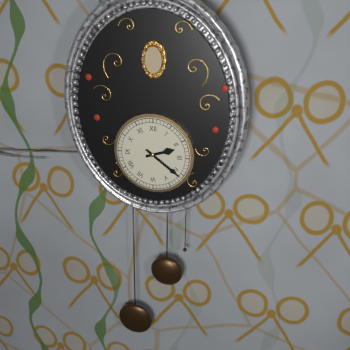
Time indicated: **2:21**
